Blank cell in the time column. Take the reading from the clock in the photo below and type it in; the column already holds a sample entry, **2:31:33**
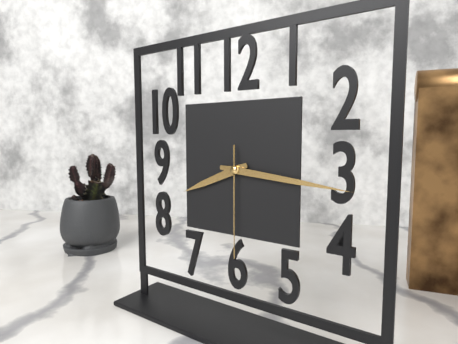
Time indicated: **8:16:30**
